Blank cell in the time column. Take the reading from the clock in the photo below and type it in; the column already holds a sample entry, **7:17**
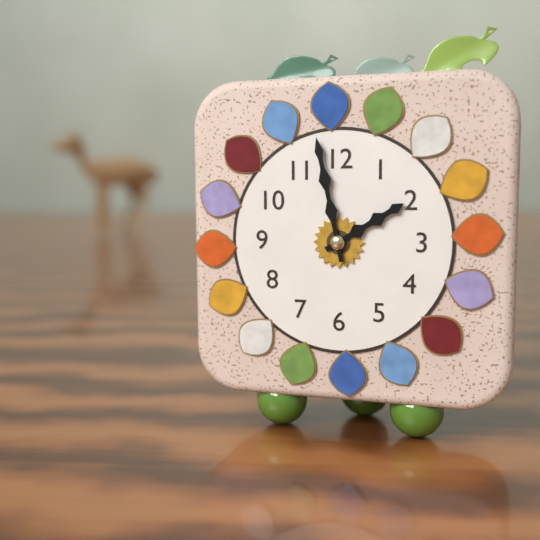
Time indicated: **1:58**
